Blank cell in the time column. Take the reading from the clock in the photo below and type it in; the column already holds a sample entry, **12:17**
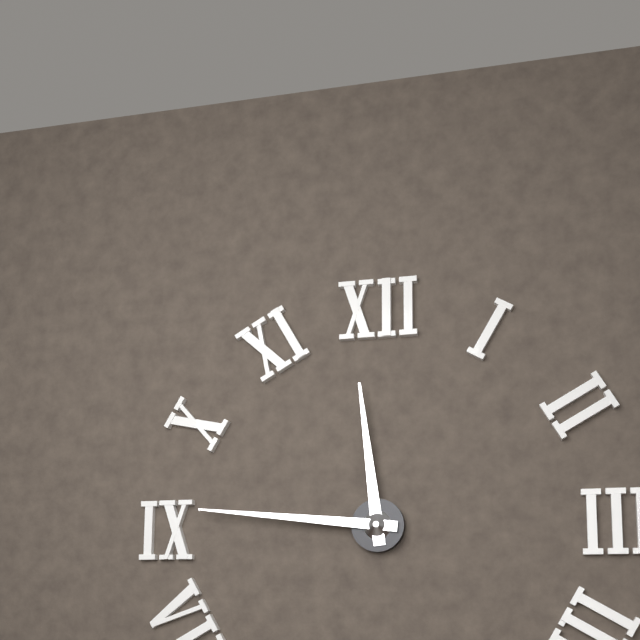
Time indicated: **11:46**
